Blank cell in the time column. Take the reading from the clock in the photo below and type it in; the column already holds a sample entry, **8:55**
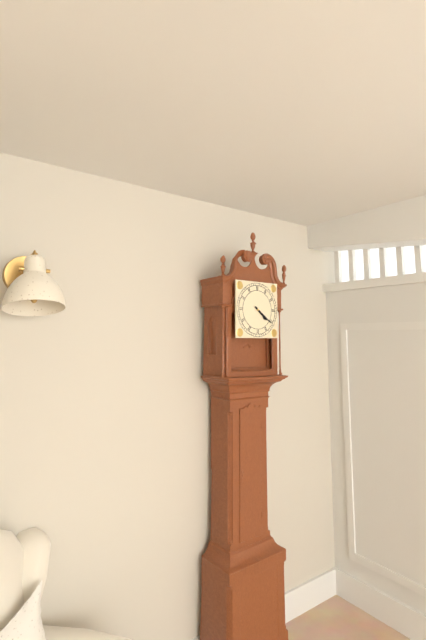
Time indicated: **4:21**
